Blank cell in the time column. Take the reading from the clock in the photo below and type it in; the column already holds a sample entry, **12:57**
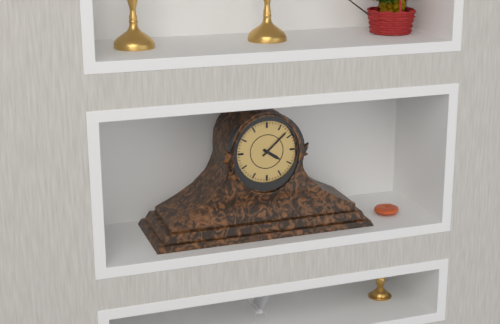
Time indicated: **4:08**
